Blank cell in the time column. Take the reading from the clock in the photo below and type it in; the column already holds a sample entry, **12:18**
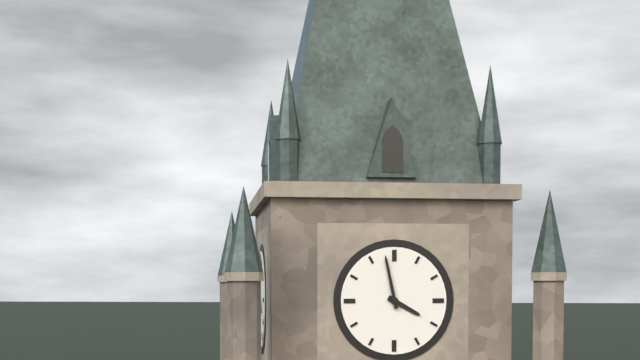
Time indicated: **3:58**
